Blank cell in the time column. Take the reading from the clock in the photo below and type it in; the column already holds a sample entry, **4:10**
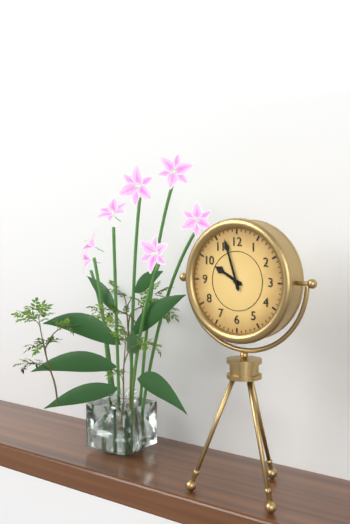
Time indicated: **9:57**
